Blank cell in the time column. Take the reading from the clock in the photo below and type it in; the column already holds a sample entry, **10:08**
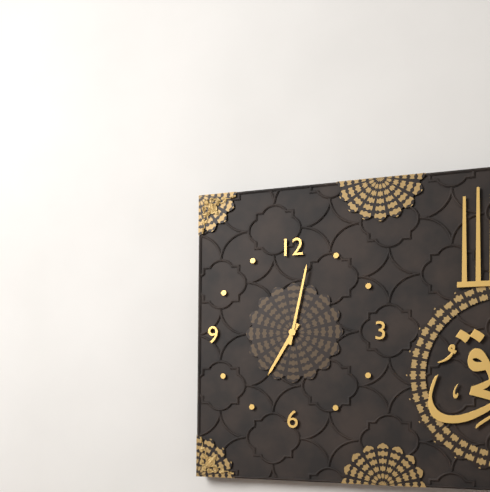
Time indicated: **7:02**
